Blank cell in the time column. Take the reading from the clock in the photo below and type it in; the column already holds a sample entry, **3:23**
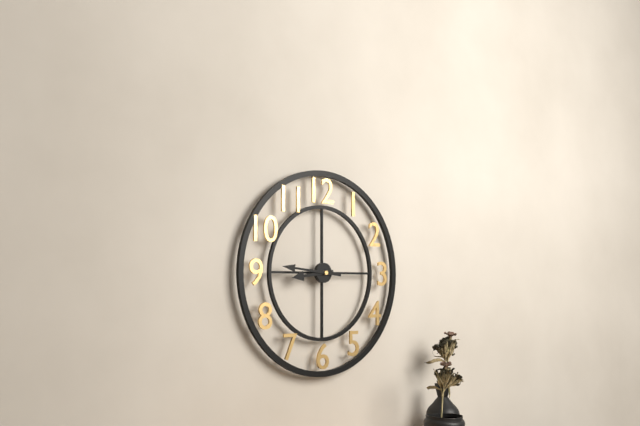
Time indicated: **8:46**
